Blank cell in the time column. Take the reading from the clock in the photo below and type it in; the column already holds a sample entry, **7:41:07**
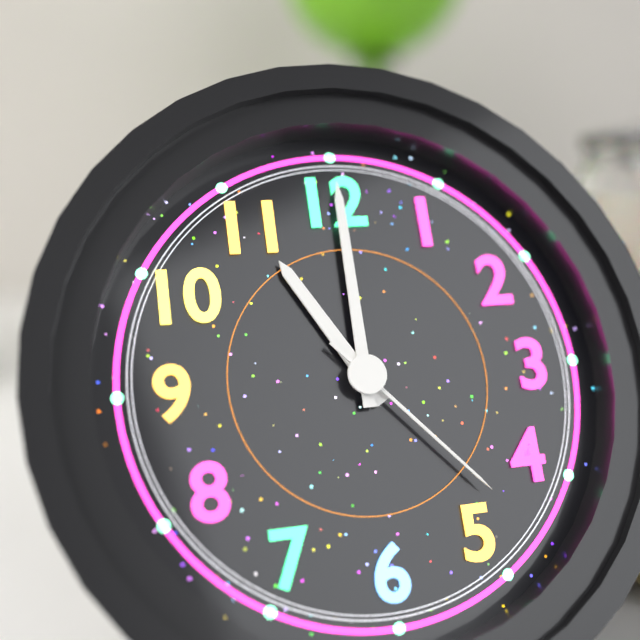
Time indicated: **11:00:23**
